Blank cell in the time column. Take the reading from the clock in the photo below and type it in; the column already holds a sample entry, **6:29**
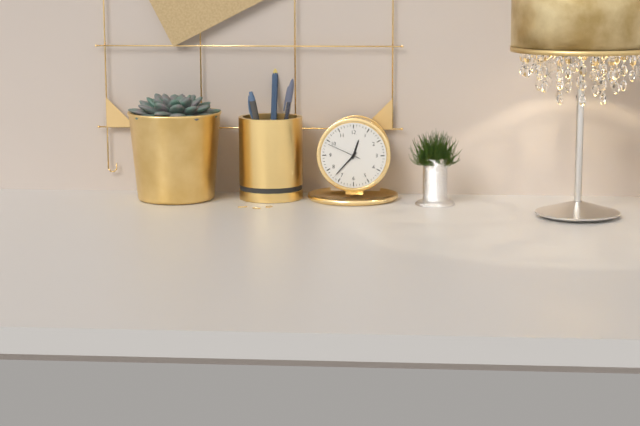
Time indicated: **12:37**
